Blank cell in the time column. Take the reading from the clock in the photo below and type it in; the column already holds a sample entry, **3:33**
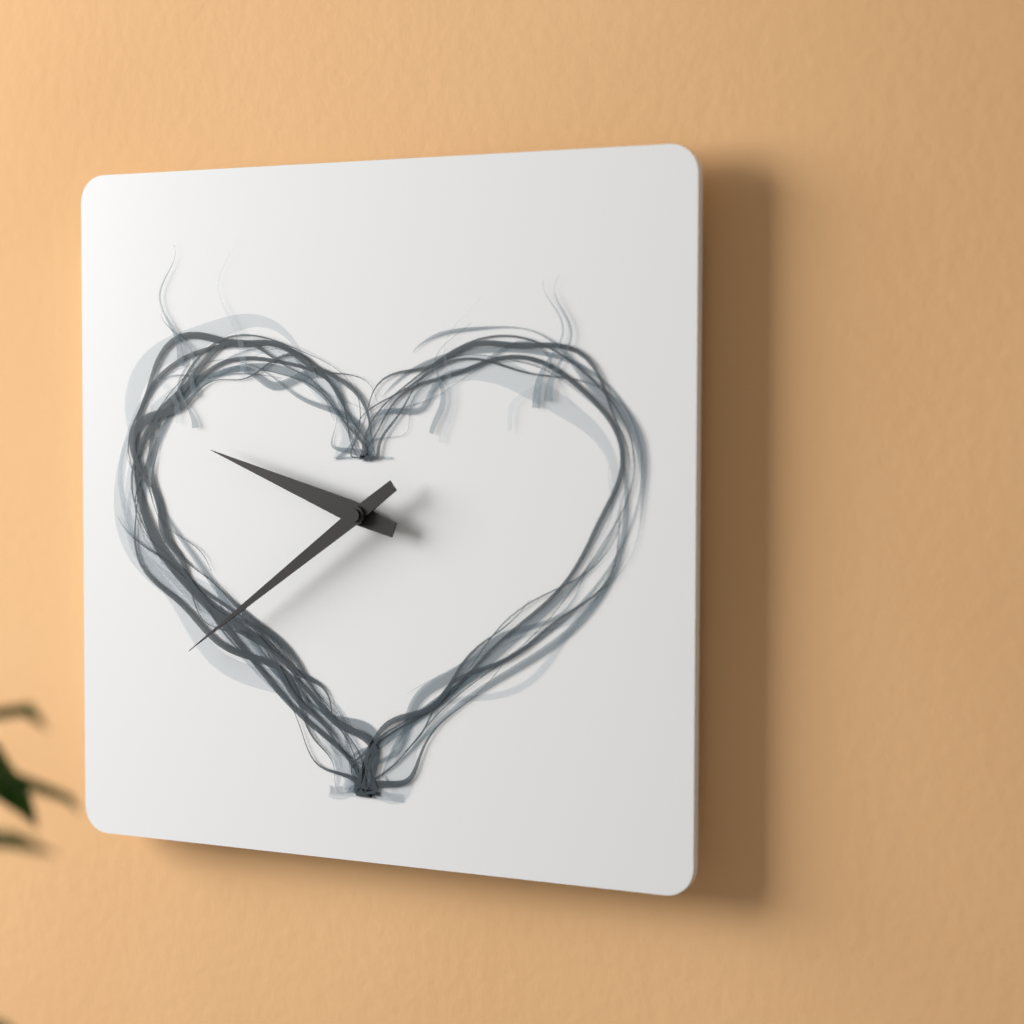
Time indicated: **9:39**
